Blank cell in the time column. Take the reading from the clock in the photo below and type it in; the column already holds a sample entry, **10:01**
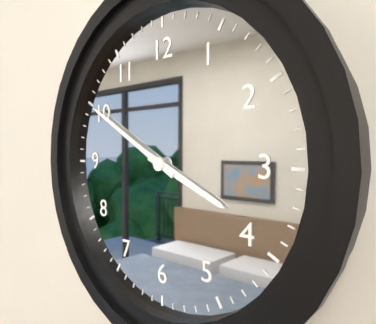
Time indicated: **3:50**
